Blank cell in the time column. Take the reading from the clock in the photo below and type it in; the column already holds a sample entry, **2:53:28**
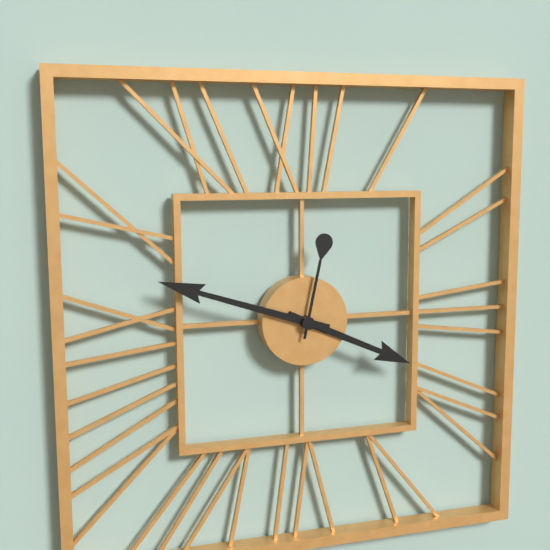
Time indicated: **3:48:02**
